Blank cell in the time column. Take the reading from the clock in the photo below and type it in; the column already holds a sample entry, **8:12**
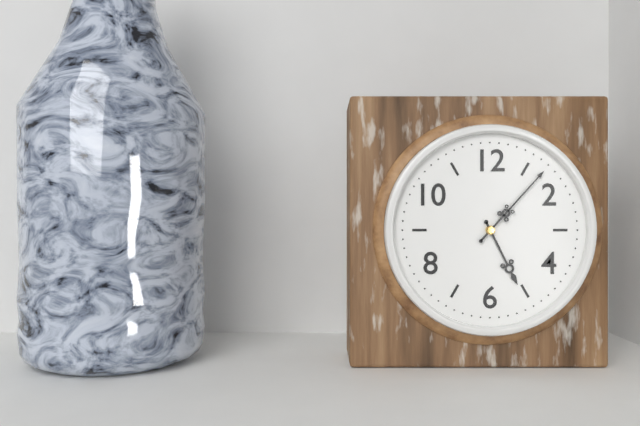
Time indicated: **5:07**
